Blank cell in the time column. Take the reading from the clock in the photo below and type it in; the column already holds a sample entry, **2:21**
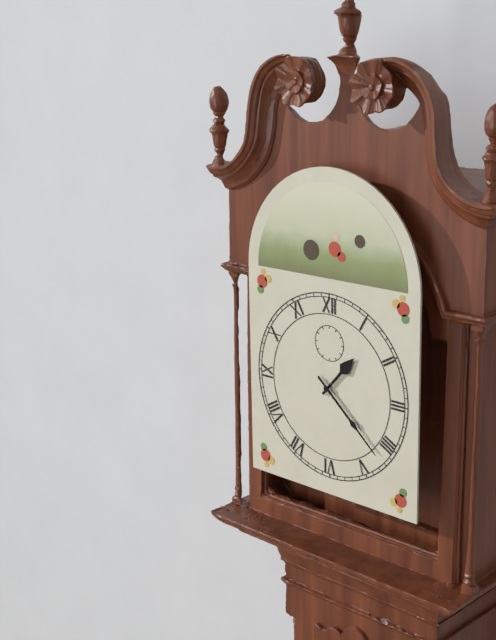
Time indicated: **1:22**
